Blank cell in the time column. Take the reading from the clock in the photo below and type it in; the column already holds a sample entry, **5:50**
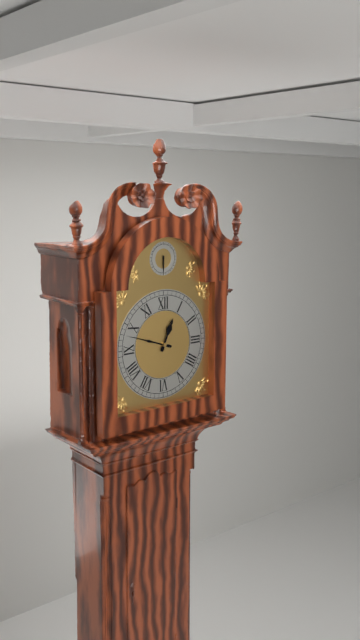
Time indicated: **12:48**
